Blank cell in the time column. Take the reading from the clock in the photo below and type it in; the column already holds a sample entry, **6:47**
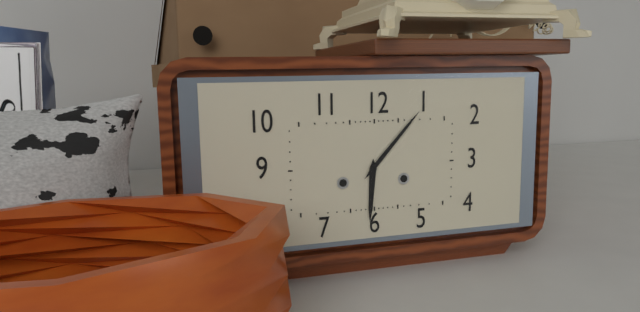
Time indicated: **6:07**
